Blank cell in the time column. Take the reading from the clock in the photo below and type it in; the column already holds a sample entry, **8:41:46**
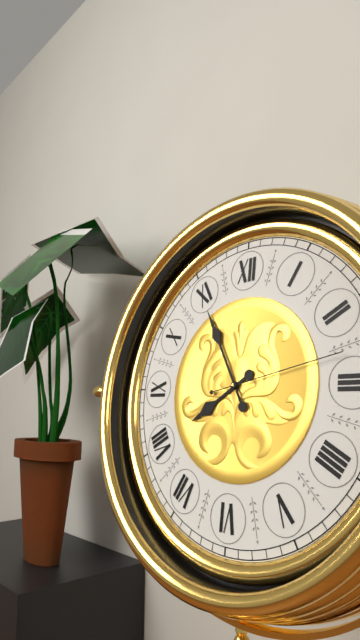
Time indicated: **7:55:13**
